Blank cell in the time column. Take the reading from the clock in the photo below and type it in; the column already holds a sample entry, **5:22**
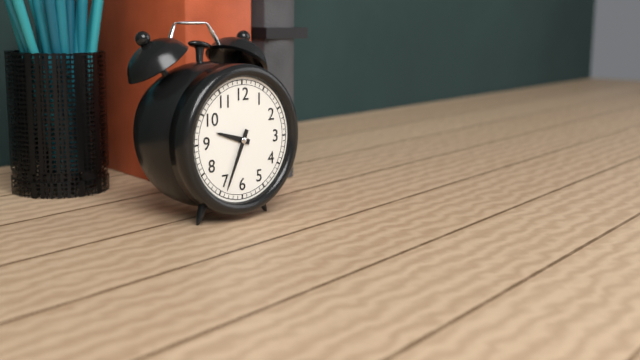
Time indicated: **9:34**
